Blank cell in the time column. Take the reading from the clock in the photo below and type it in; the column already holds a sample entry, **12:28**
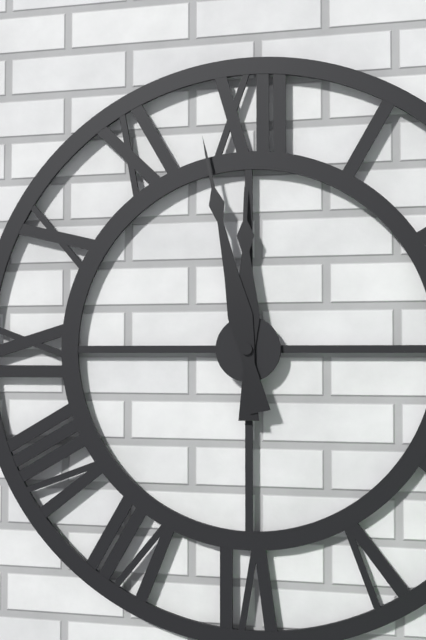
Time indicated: **11:58**
